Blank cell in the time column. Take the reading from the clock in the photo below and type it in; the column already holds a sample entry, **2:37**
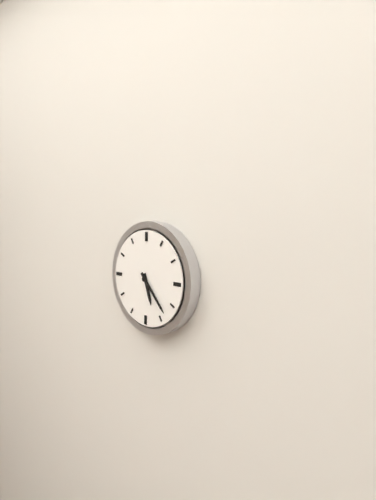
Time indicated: **5:23**
